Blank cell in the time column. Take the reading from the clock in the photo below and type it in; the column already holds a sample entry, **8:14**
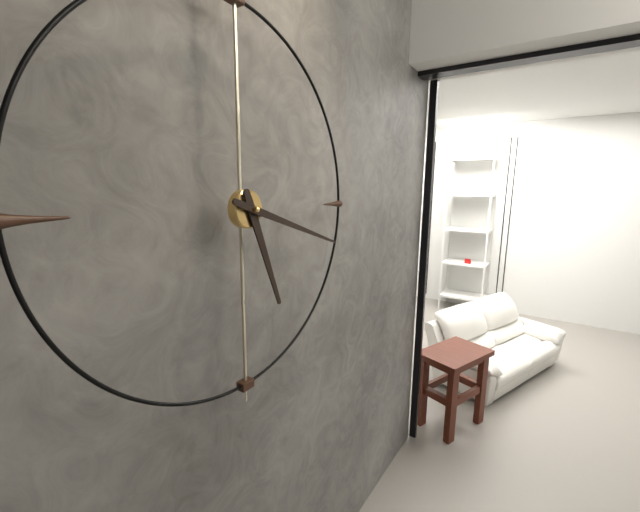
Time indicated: **5:18**
